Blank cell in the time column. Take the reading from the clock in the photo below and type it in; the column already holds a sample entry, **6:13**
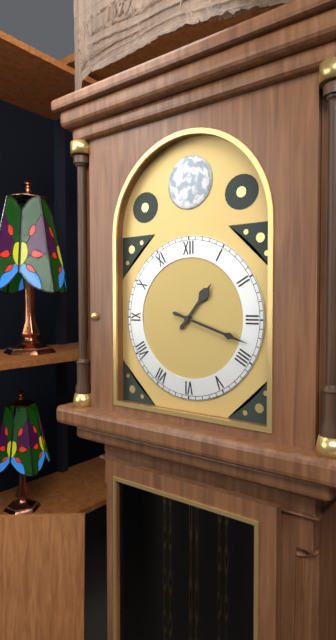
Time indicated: **1:18**
